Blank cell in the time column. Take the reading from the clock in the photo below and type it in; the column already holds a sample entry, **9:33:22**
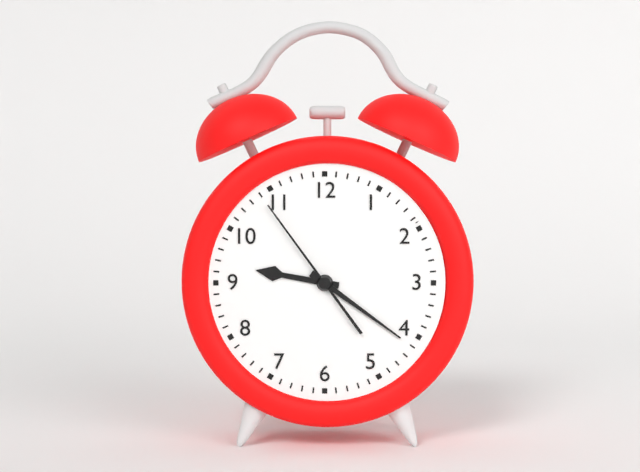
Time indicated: **9:21:54**
